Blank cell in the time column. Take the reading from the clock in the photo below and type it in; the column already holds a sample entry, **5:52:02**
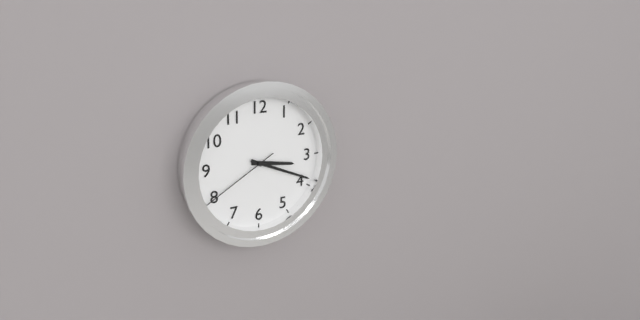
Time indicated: **3:19:40**
